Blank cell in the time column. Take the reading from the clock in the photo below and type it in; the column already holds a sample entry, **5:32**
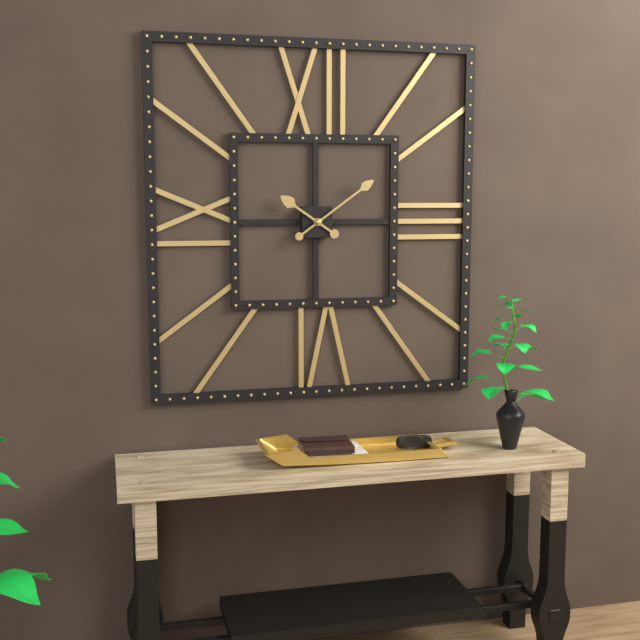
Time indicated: **10:09**
